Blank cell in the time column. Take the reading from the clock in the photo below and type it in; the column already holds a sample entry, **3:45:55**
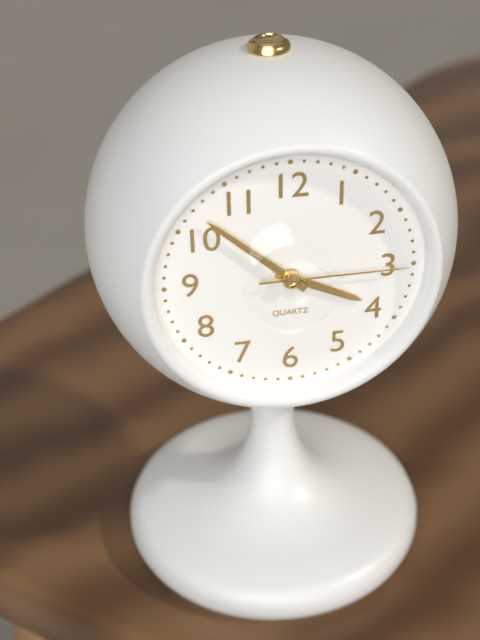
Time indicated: **3:52:15**
